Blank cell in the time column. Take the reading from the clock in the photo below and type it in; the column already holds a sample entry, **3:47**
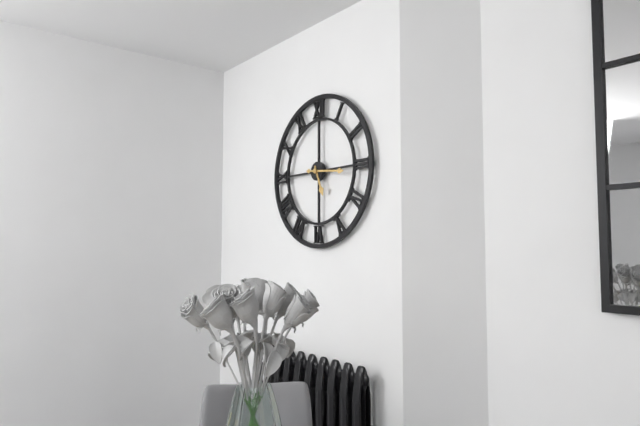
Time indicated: **5:16**
